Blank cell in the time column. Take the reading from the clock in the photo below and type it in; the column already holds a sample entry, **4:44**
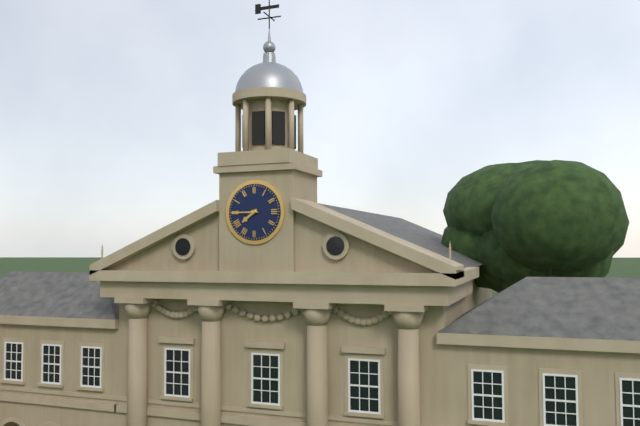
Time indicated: **7:45**
